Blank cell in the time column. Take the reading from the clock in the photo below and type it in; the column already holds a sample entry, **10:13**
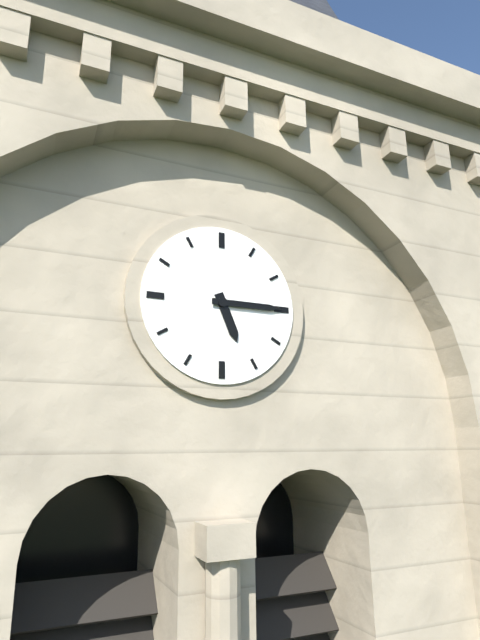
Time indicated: **5:15**
